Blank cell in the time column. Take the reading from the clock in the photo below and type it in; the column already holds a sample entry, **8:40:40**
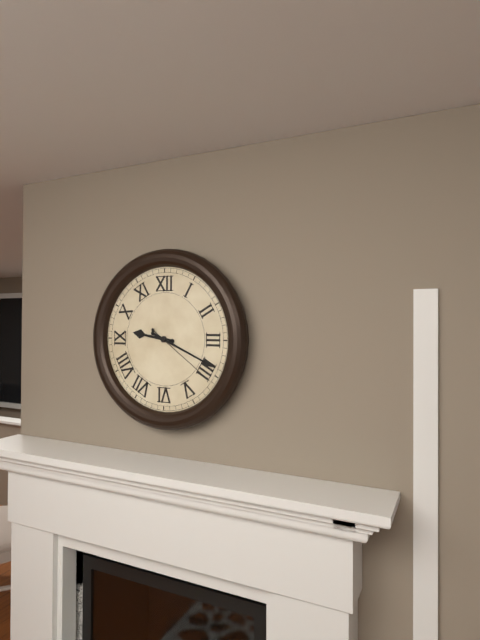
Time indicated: **9:19:21**
